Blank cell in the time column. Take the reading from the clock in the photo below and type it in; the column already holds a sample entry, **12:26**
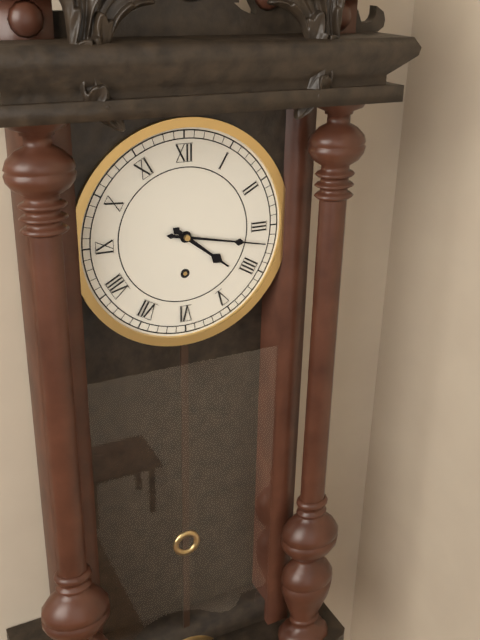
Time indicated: **4:17**
